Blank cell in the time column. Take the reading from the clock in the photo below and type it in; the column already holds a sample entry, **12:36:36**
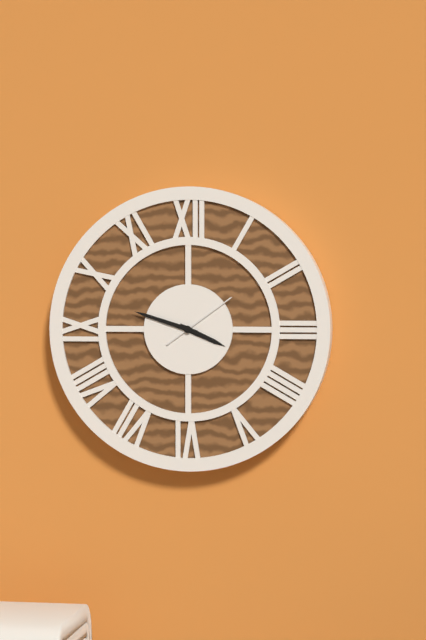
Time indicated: **3:48:09**
